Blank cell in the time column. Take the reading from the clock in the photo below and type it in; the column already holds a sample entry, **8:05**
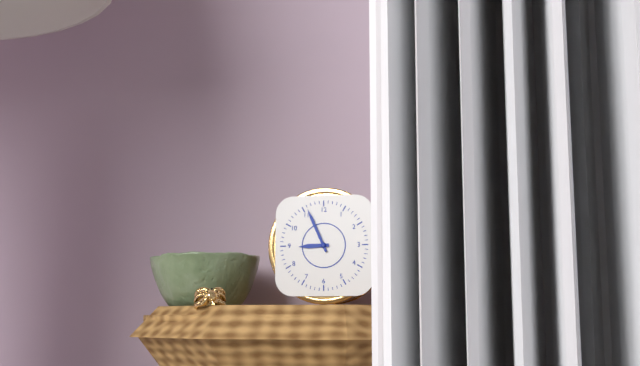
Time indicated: **8:56**
